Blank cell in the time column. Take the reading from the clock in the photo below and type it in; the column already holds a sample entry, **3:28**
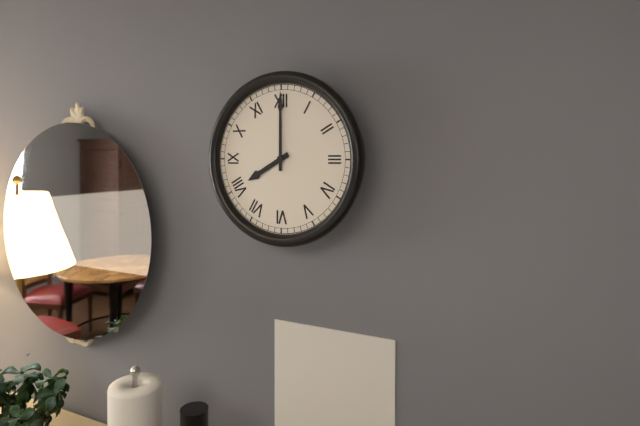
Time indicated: **8:00**
